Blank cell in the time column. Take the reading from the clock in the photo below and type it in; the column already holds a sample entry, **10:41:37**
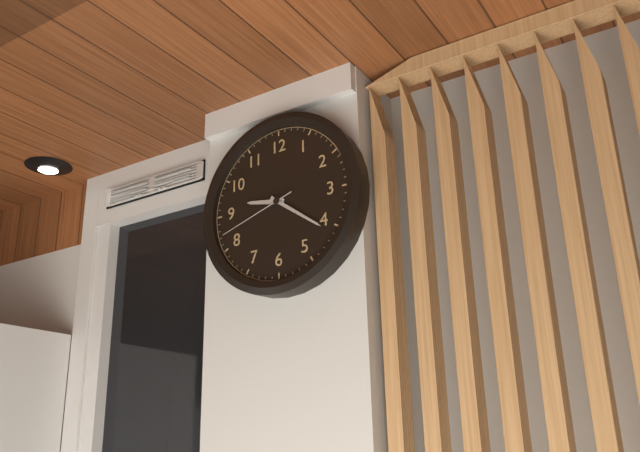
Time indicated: **9:21:42**
